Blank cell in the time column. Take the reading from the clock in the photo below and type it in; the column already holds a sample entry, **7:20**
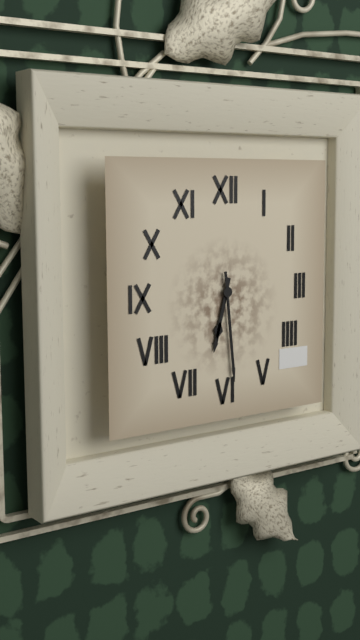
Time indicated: **6:29**
